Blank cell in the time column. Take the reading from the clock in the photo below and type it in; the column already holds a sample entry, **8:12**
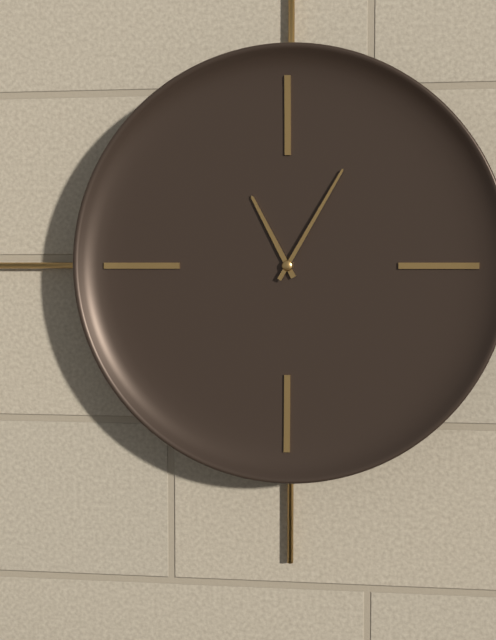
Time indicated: **11:05**
